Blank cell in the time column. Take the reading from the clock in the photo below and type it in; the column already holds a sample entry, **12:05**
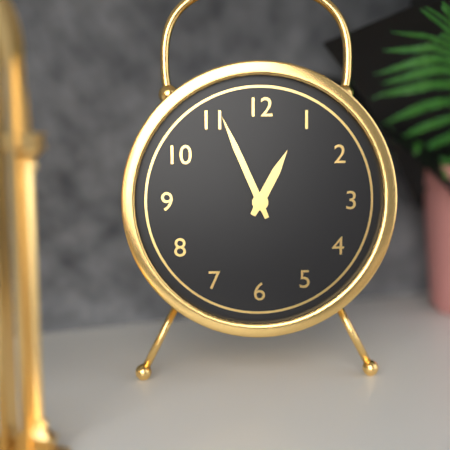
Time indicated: **12:56**
